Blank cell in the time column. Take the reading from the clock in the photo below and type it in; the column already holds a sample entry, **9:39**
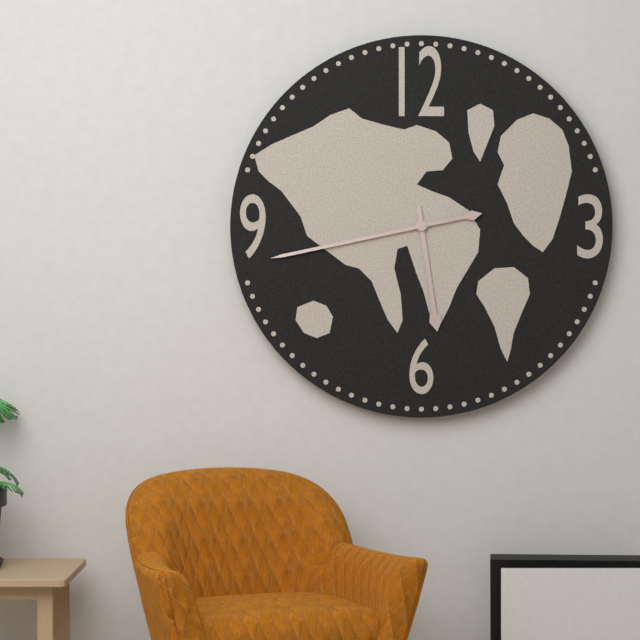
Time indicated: **5:43**
